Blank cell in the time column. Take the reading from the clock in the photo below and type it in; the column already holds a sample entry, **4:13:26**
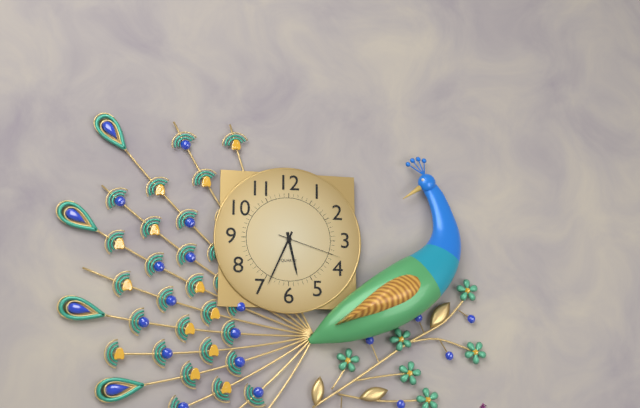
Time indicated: **5:34:18**
